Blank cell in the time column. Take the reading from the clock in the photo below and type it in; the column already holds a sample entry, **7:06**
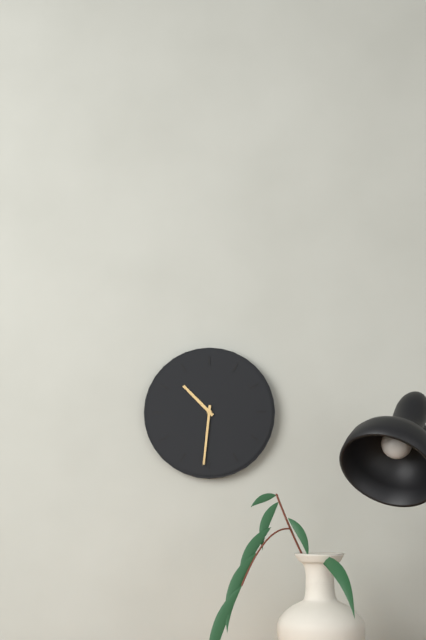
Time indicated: **10:31**
